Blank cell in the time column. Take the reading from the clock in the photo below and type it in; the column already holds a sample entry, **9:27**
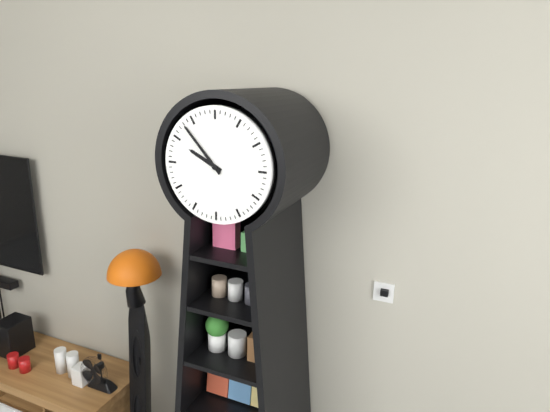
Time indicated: **9:53**
